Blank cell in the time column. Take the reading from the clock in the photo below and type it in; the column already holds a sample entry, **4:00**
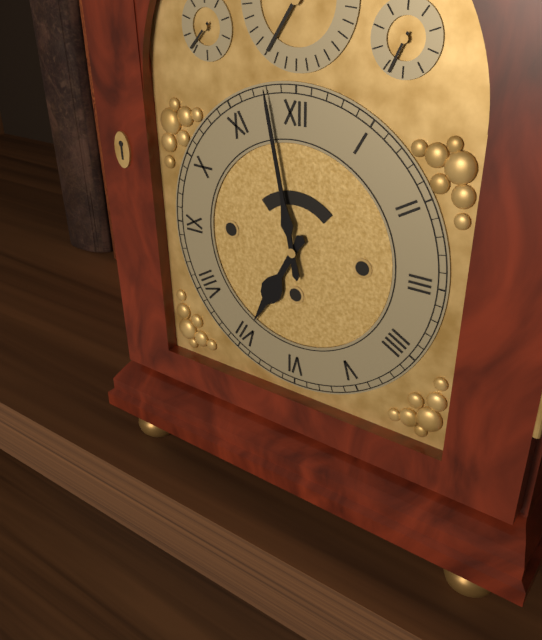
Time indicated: **6:58**
